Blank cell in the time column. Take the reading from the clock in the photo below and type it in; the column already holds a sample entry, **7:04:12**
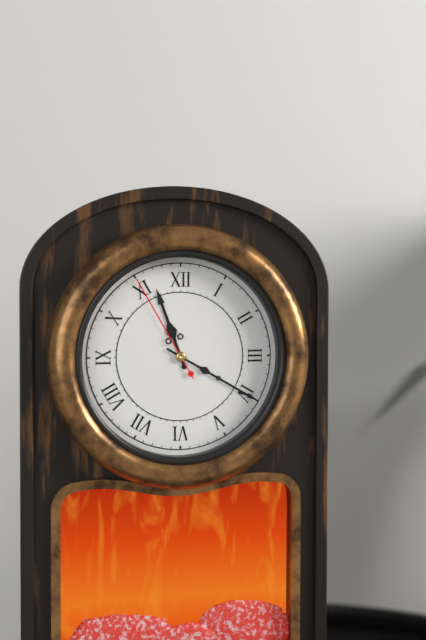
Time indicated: **11:20:55**
